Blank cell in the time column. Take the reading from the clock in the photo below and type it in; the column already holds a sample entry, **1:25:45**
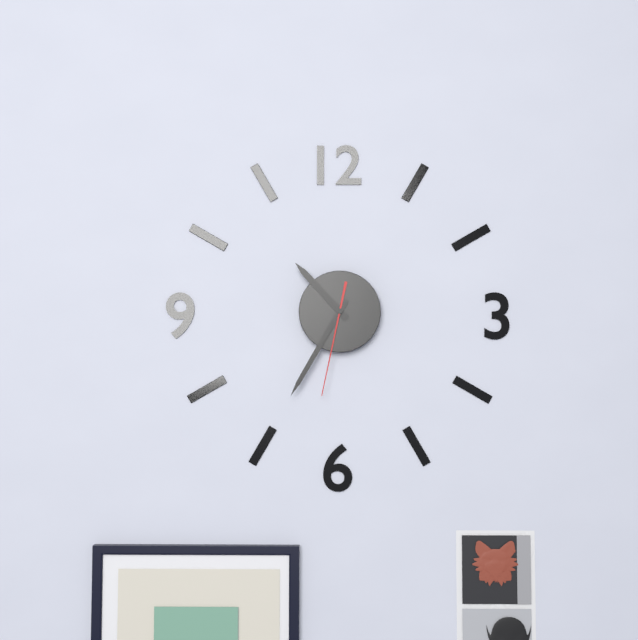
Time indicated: **10:35:32**
